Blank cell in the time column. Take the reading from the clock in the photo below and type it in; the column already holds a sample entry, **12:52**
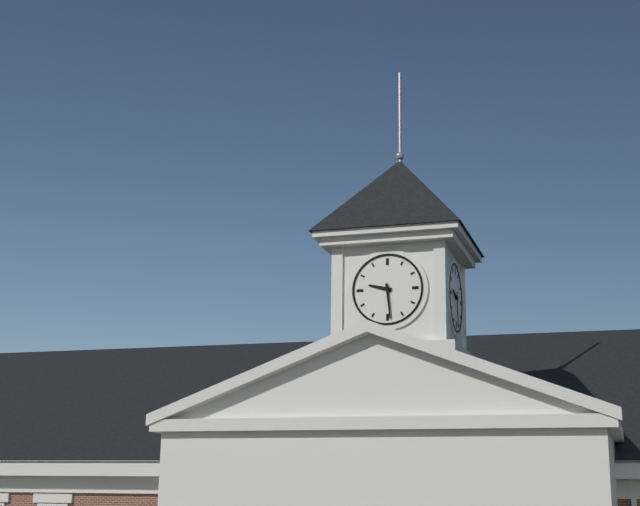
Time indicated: **9:29**
